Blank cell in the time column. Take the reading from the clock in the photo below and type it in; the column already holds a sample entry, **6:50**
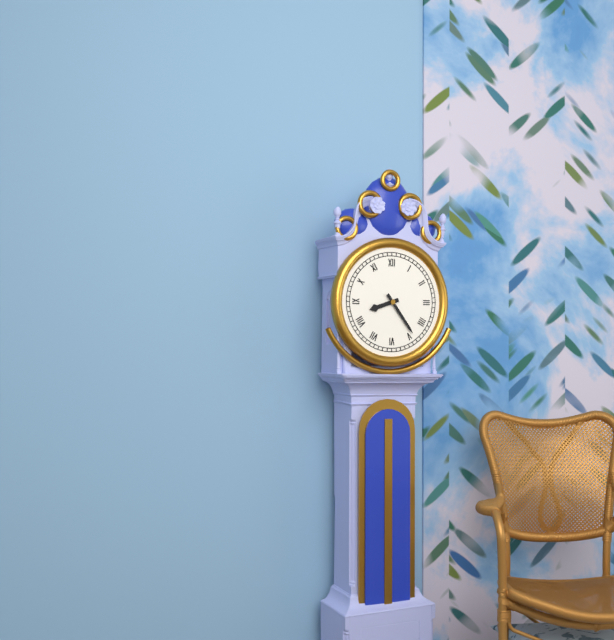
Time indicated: **8:24**
